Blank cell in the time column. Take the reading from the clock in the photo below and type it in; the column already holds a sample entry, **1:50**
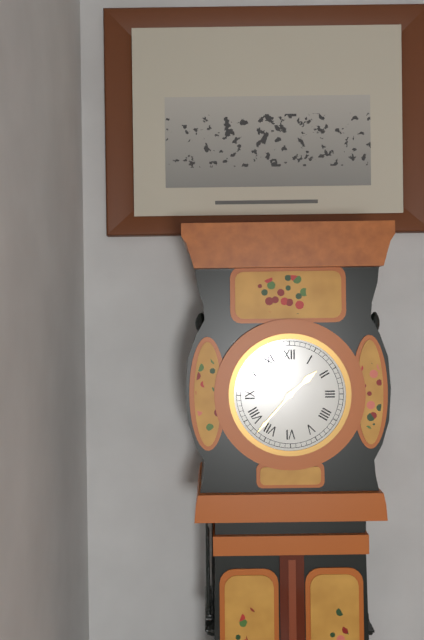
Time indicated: **1:37**
